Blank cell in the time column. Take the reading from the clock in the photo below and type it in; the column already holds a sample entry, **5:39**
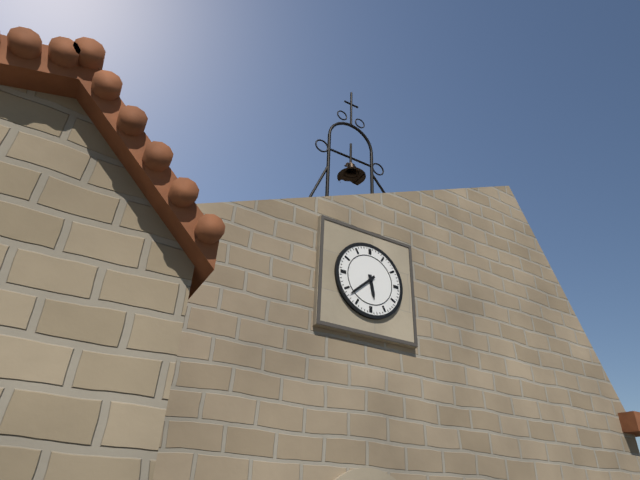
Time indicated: **5:38**
